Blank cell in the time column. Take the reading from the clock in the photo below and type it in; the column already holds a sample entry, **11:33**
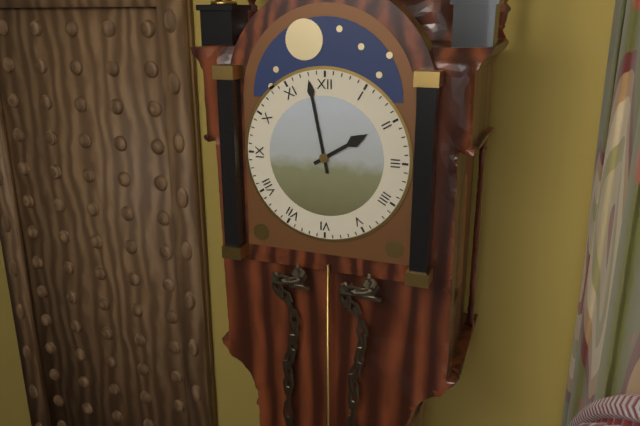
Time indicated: **1:58**
